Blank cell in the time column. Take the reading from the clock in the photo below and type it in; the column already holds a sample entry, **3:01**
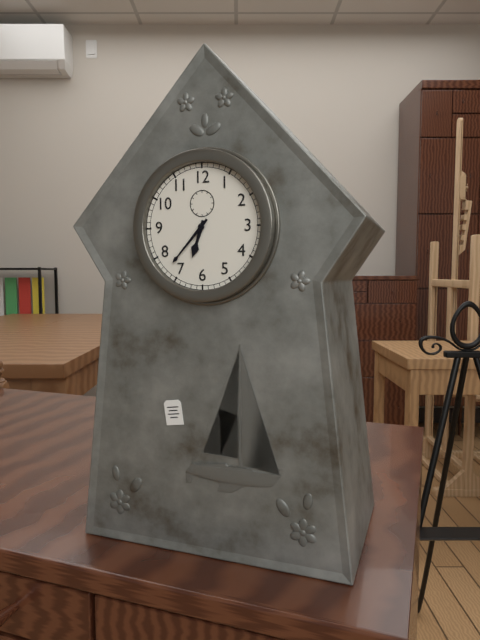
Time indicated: **6:37**
